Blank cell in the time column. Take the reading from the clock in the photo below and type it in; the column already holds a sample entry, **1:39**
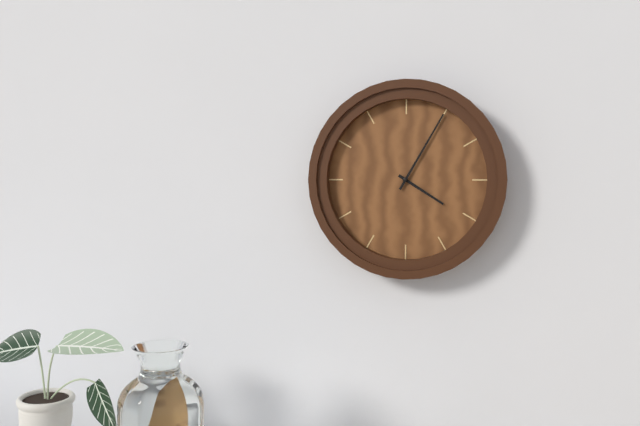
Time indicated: **4:05**
